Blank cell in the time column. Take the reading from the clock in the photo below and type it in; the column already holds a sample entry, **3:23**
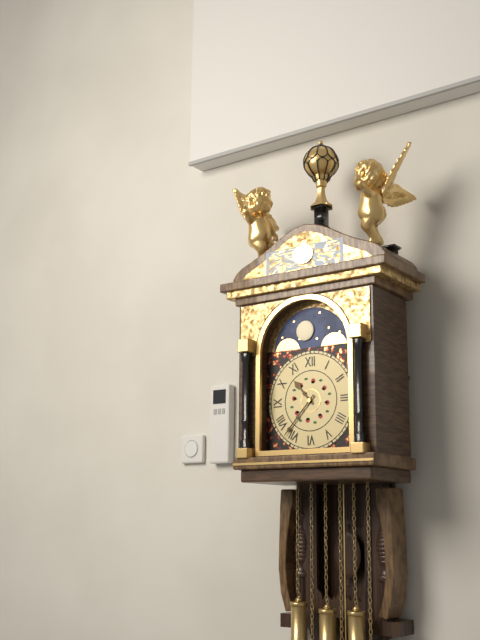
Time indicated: **10:37**
